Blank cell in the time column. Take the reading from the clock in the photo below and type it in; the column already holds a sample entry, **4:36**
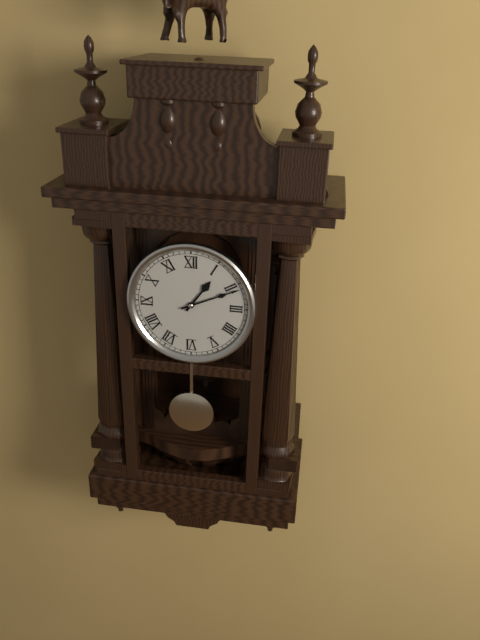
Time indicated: **1:11**
